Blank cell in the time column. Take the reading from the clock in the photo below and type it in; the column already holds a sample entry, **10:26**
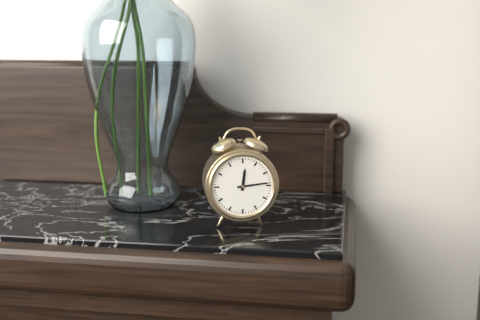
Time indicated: **12:14**
